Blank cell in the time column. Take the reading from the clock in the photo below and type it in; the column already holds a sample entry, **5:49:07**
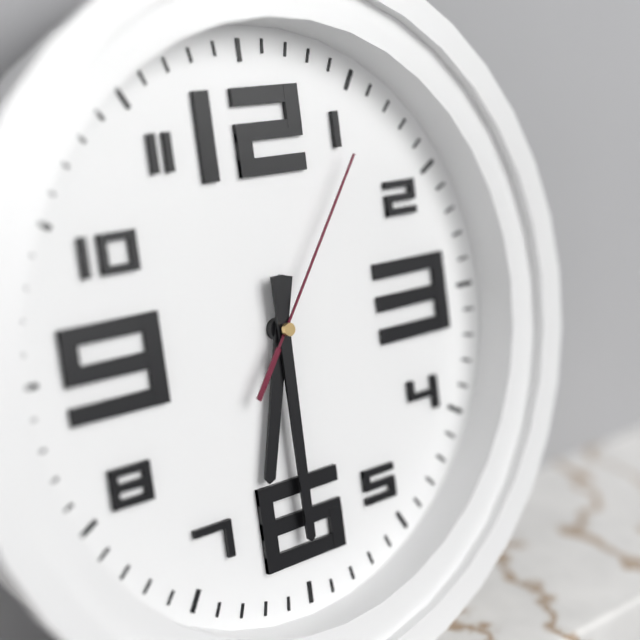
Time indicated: **6:30:06**
